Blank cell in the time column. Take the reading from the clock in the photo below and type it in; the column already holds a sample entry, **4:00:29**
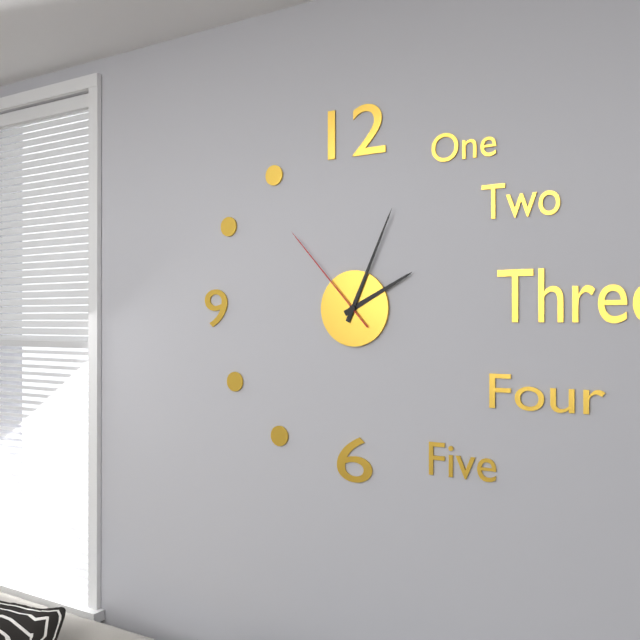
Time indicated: **2:04:53**
